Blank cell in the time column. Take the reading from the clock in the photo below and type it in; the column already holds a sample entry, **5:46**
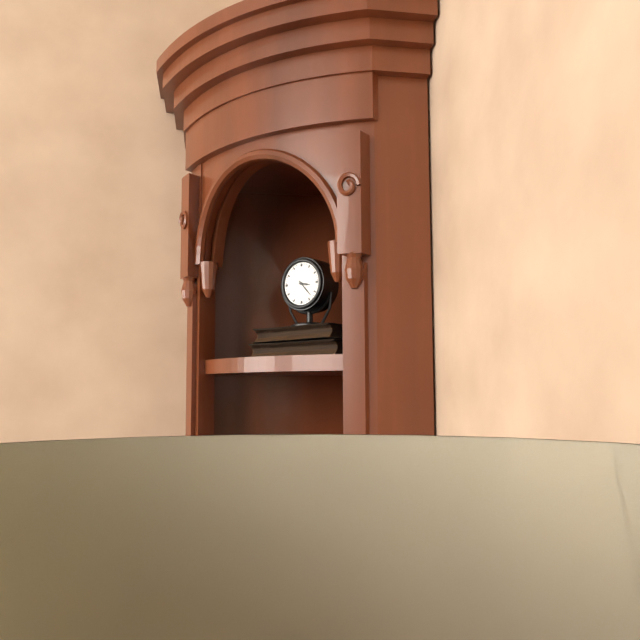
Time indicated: **3:23**
